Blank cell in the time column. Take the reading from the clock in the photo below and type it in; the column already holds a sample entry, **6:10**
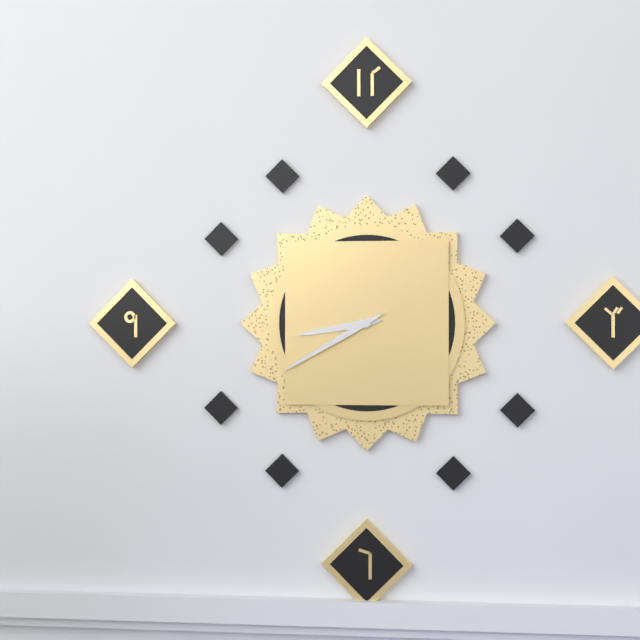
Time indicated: **8:40**
